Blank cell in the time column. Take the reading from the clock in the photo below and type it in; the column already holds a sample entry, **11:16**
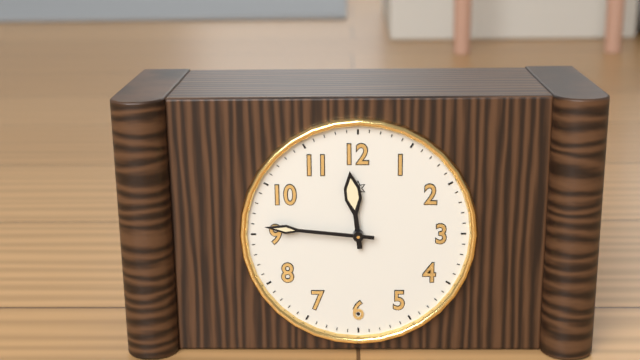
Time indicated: **11:46**
